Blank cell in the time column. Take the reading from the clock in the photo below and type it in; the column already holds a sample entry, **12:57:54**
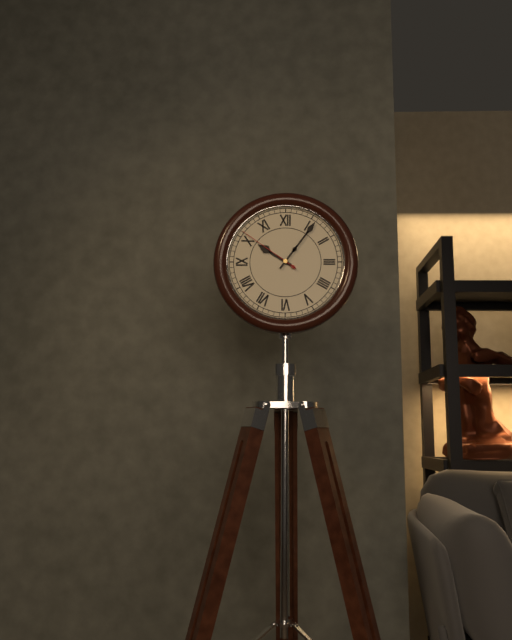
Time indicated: **10:06:51**
